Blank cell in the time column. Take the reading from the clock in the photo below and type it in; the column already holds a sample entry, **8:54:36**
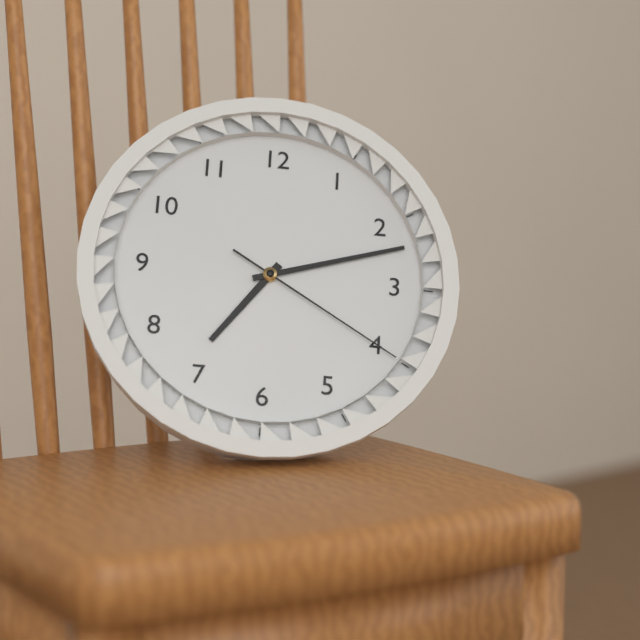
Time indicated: **7:12:20**
